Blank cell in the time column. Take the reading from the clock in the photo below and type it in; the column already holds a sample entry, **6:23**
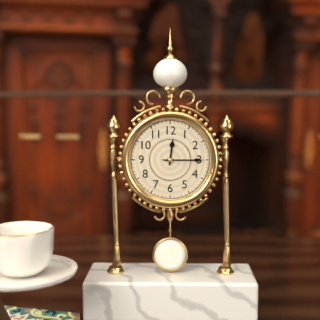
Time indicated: **12:15**
